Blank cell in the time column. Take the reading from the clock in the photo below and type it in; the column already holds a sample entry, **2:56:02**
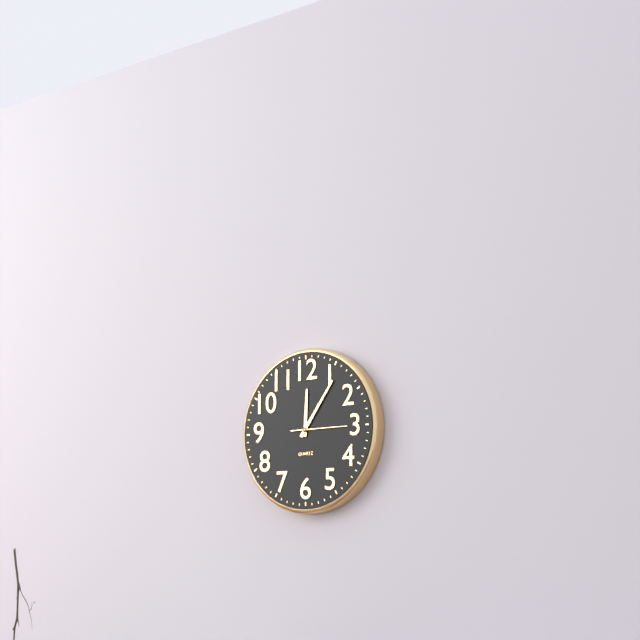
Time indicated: **12:06:15**
